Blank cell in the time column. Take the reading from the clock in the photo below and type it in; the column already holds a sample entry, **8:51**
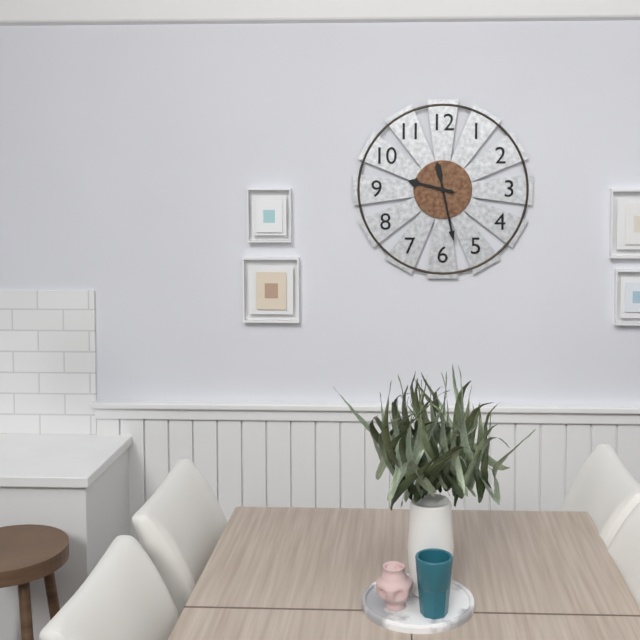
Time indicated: **9:28**
